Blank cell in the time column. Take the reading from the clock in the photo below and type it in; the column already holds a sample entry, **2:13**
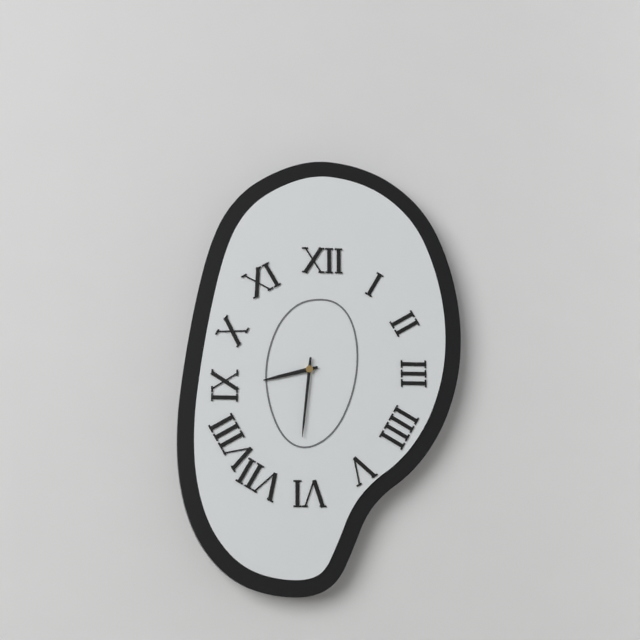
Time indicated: **8:31**
